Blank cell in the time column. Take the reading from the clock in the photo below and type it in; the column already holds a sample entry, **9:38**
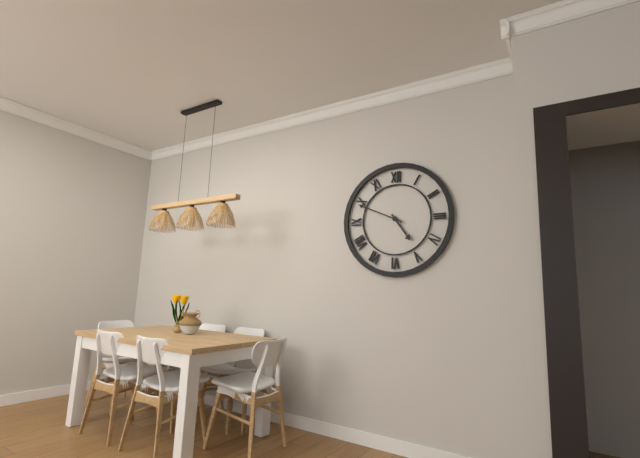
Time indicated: **4:49**
